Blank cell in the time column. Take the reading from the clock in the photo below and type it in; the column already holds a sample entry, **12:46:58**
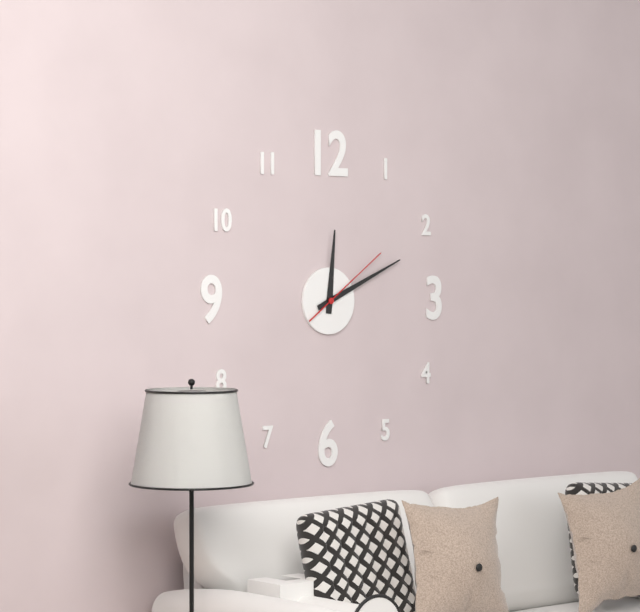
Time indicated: **12:11:09**
